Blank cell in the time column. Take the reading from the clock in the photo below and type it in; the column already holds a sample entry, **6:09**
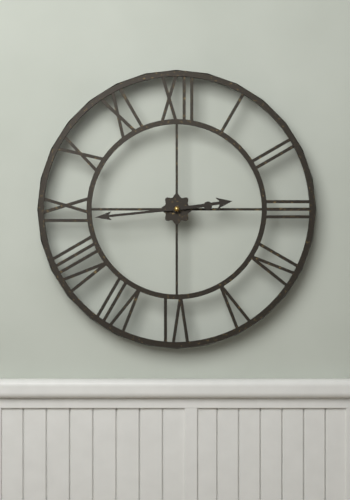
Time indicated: **2:44**
